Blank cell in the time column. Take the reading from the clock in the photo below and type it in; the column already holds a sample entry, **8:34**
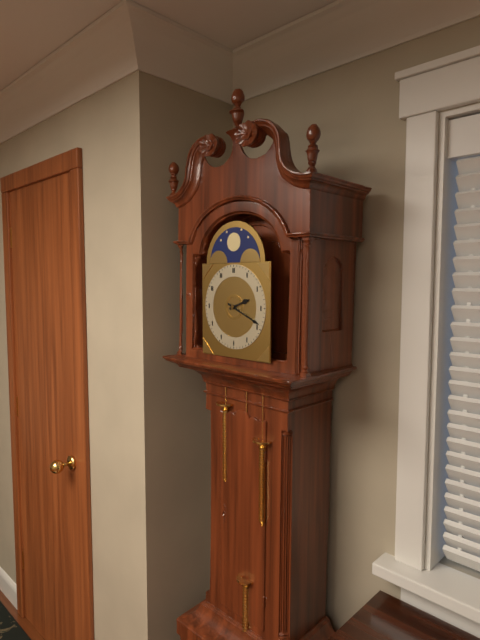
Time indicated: **2:19**
